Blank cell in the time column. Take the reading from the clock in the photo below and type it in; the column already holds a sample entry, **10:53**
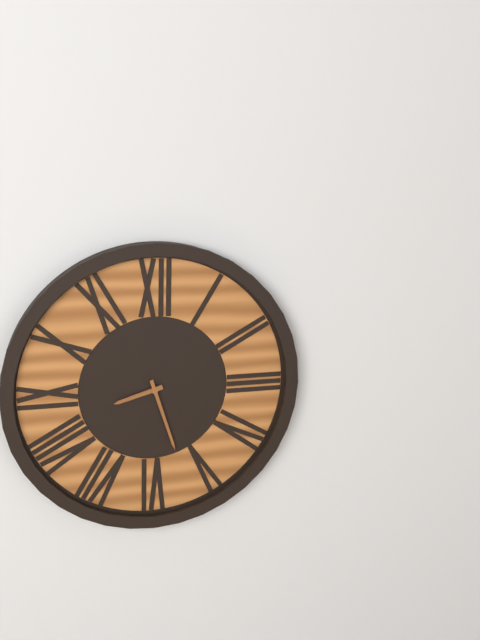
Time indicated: **8:27**
